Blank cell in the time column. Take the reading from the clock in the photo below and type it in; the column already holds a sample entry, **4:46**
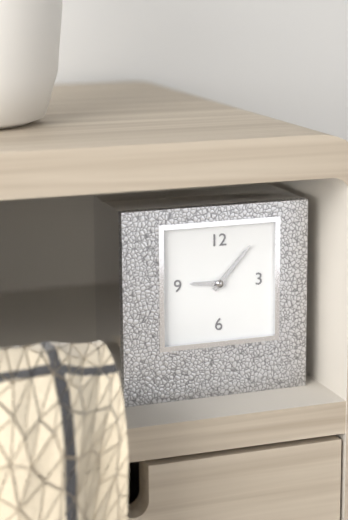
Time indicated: **9:07**
